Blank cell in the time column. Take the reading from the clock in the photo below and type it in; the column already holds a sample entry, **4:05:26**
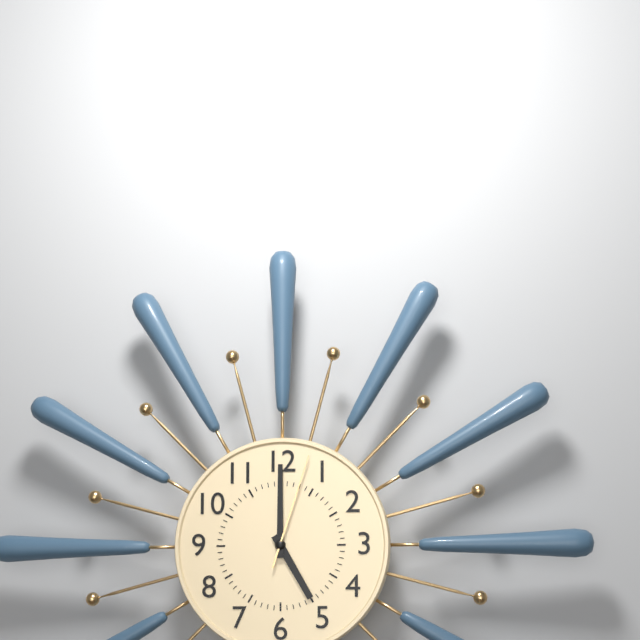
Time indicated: **5:00:03**
